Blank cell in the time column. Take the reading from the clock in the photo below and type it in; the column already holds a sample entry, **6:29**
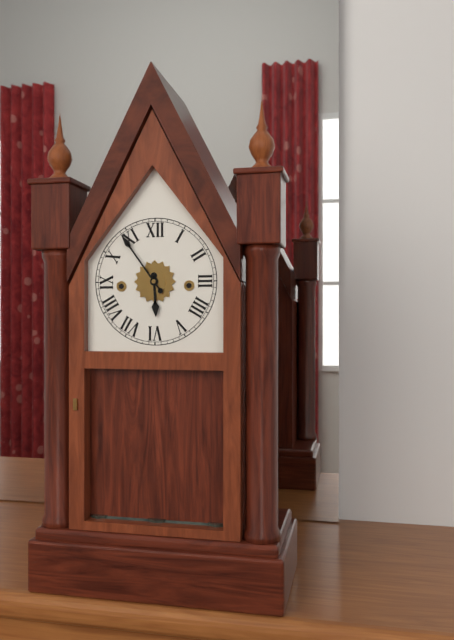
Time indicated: **5:54**
